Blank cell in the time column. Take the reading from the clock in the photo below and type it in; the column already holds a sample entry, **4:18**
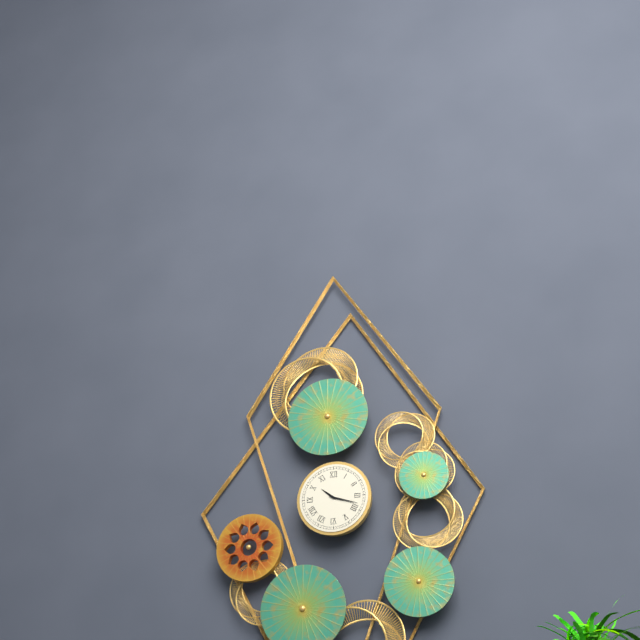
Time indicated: **10:18**
